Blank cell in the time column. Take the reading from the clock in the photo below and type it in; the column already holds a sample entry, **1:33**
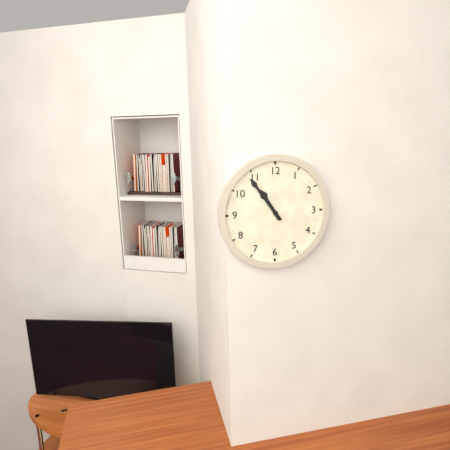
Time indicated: **10:54**
